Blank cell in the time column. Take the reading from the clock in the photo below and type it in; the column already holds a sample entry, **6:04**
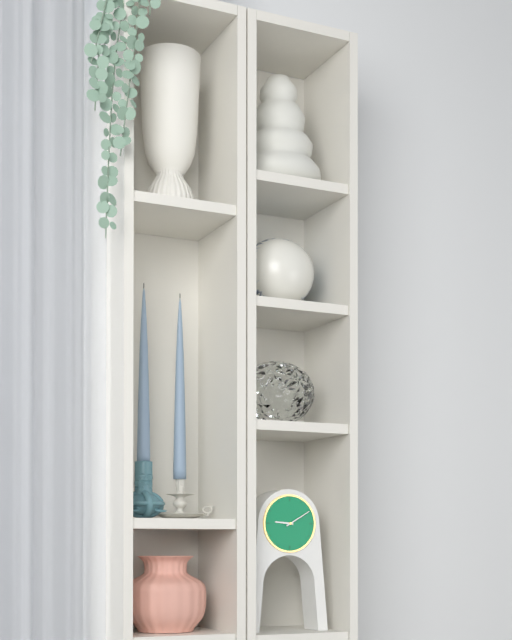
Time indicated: **9:10**
